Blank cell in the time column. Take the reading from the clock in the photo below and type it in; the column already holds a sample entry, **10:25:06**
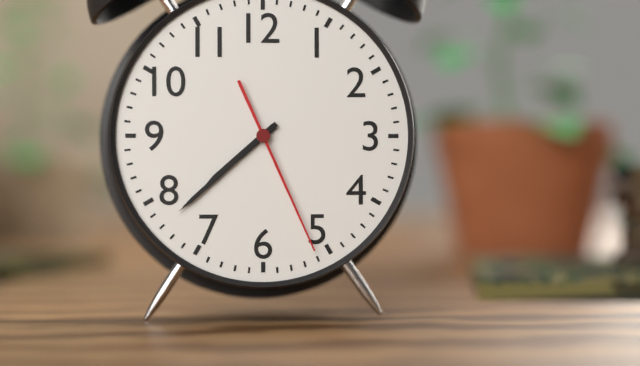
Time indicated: **7:38:26**
